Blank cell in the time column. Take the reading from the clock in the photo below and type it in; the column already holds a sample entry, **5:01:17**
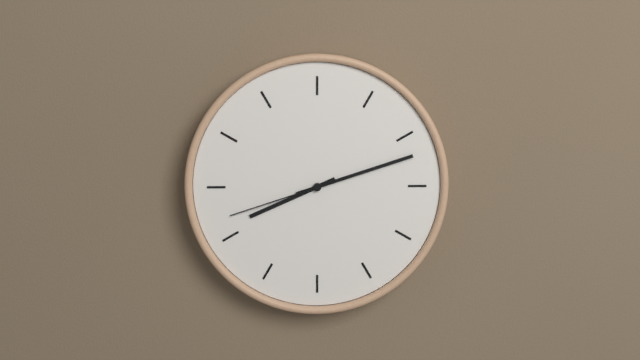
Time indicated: **8:12:42**
